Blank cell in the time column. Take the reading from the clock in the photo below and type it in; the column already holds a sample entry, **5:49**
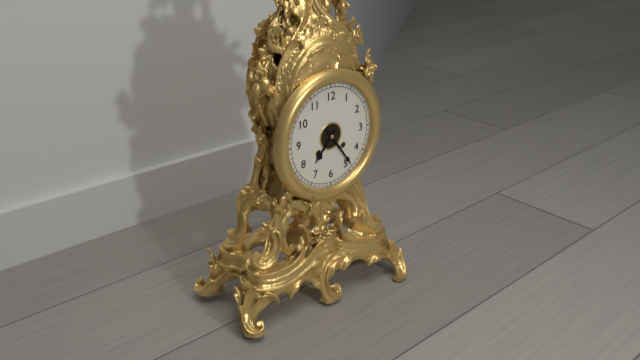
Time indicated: **7:24**
